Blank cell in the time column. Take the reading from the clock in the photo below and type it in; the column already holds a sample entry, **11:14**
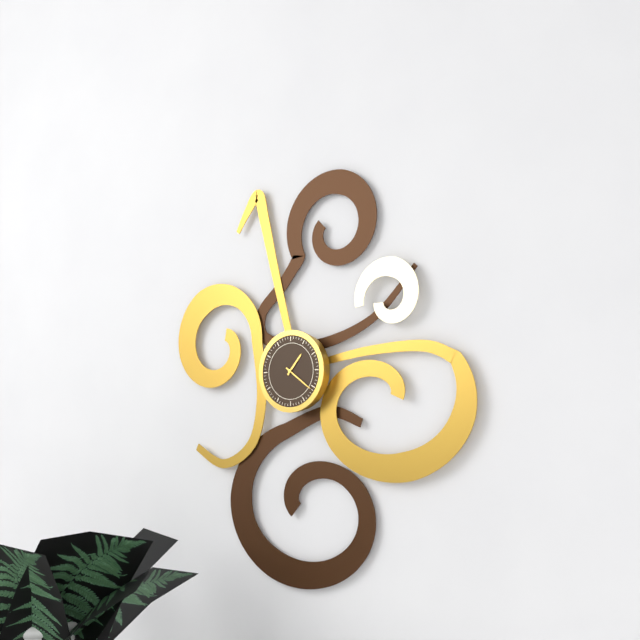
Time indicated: **1:21**
